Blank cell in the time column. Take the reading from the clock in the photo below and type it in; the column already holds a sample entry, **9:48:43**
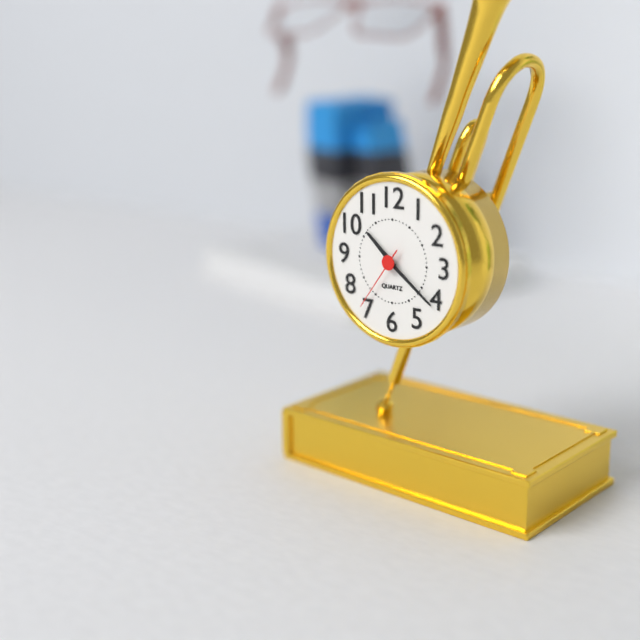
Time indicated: **10:21:36**
